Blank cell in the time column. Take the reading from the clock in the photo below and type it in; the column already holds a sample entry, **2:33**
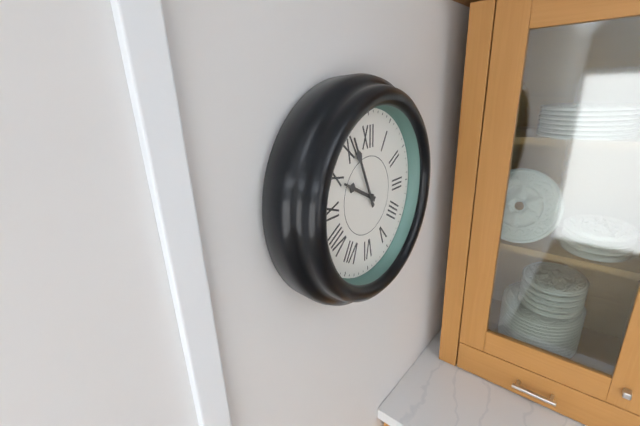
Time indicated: **9:56**
